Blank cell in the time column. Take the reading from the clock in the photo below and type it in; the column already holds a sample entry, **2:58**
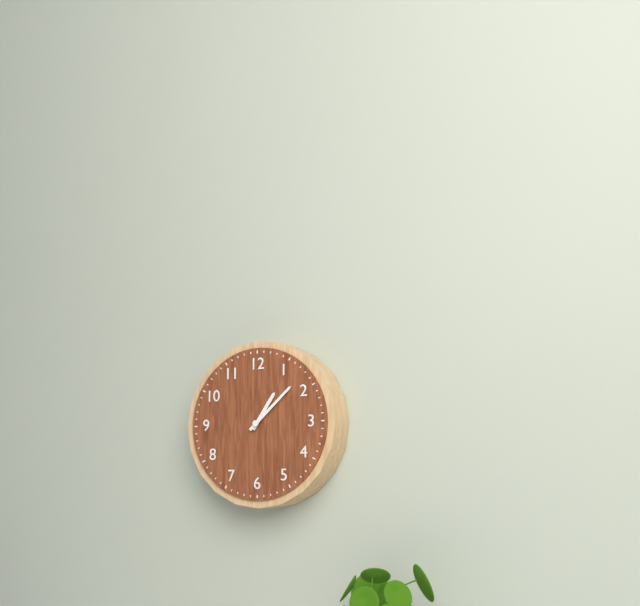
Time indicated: **1:08**
